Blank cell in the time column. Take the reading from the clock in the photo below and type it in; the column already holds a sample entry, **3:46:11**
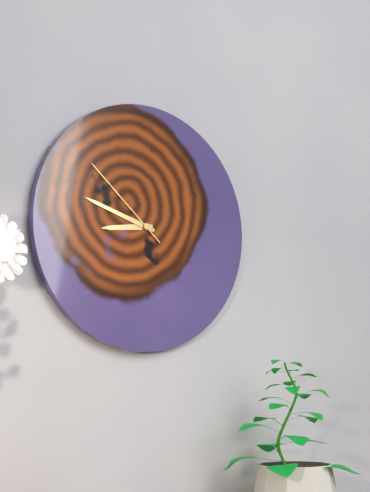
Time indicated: **8:48:52**
